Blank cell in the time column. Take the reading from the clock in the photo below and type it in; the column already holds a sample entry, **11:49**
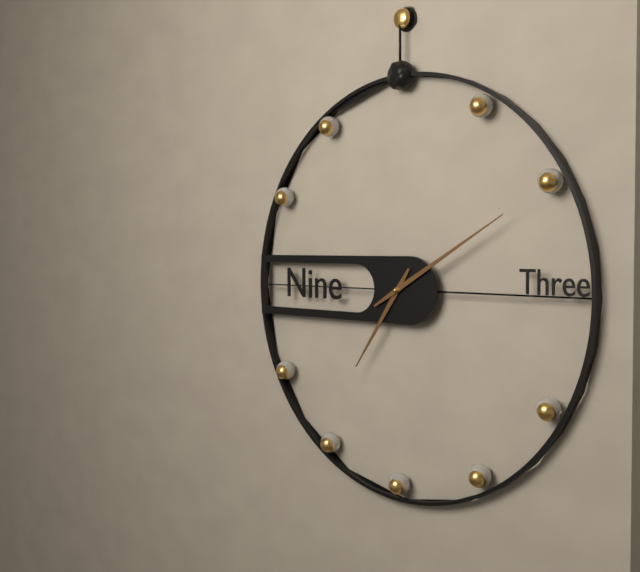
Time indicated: **7:10**
